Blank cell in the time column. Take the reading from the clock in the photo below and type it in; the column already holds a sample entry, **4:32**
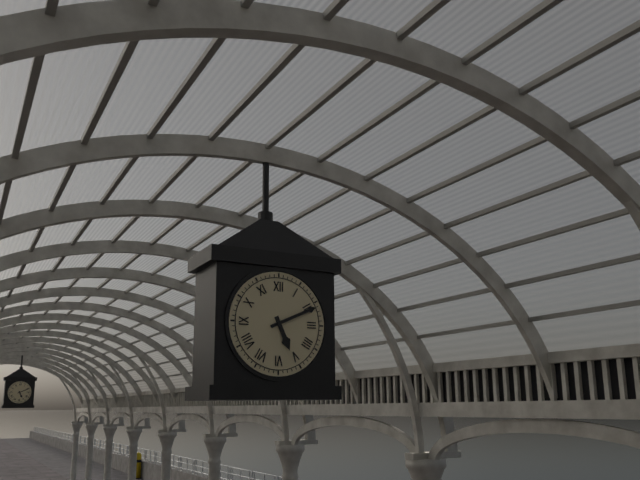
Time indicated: **5:11**
